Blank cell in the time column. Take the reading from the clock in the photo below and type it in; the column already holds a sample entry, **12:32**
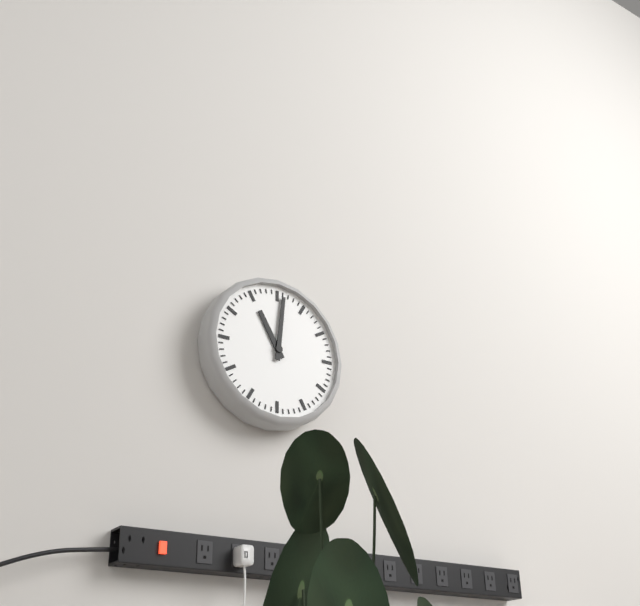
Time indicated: **11:01**
